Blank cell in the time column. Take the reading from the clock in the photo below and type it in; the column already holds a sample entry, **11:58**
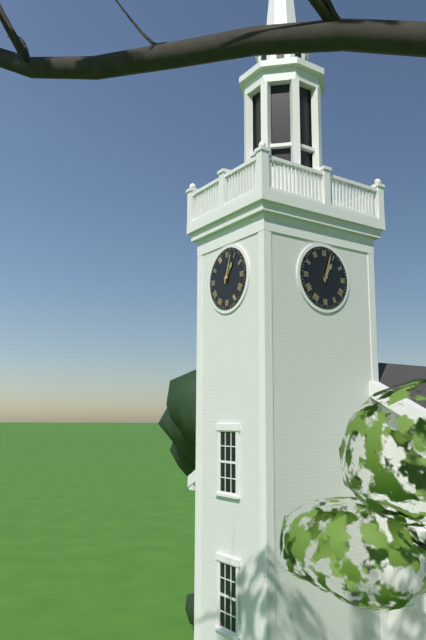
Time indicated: **1:03**
